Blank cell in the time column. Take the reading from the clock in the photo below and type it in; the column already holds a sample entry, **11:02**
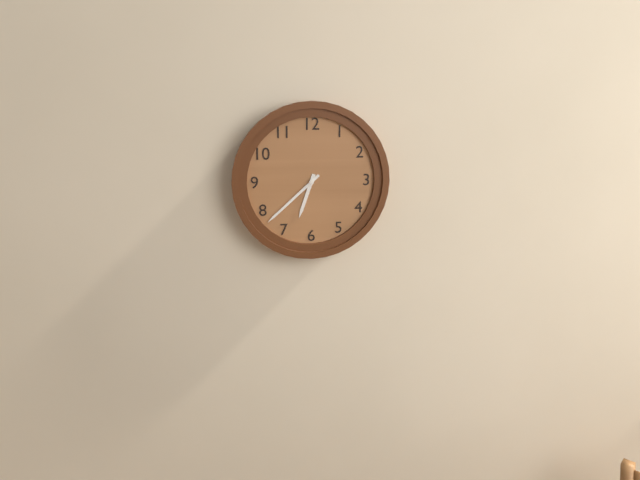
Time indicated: **6:38**
